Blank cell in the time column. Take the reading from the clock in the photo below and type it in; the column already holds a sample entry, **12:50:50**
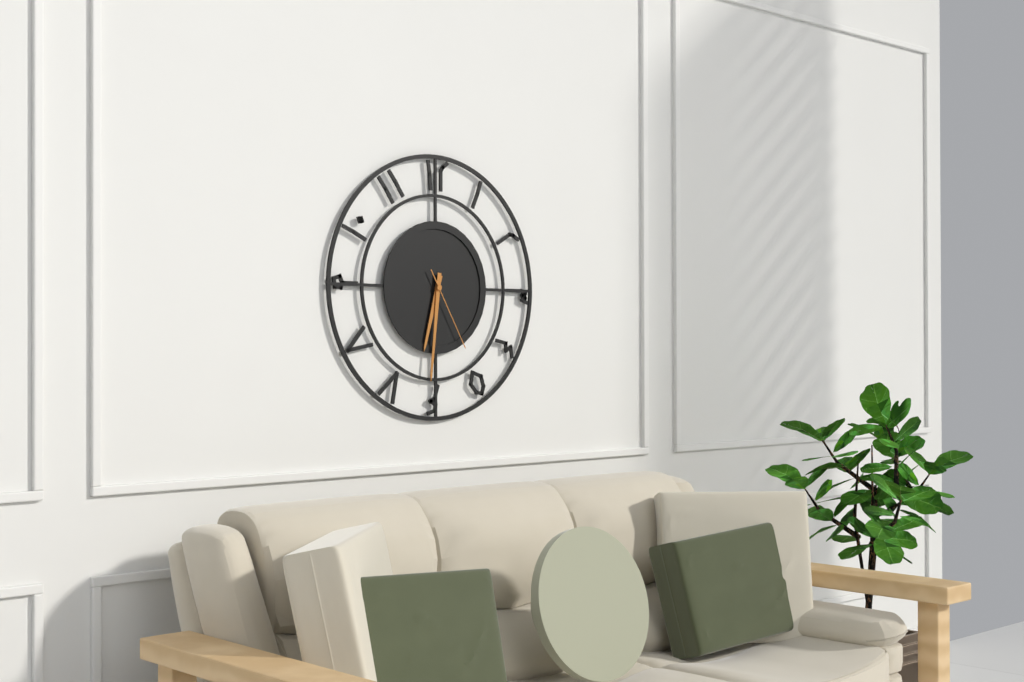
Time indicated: **6:31:25**
